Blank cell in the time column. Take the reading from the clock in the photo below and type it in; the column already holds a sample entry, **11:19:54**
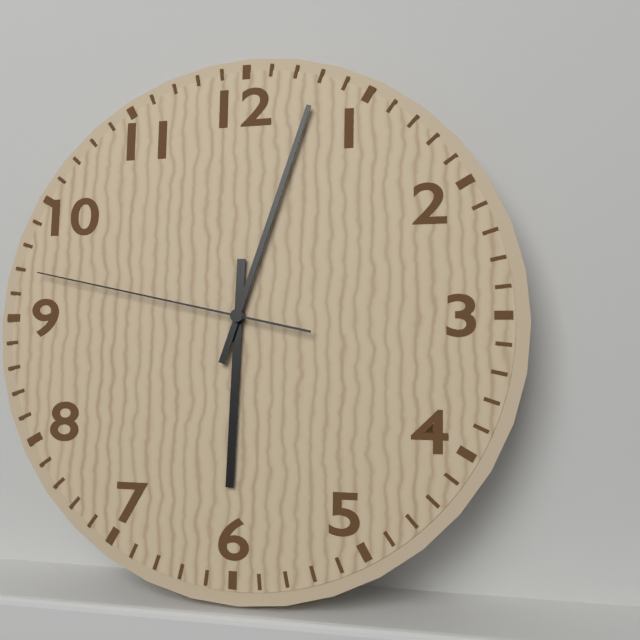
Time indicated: **6:03:47**
